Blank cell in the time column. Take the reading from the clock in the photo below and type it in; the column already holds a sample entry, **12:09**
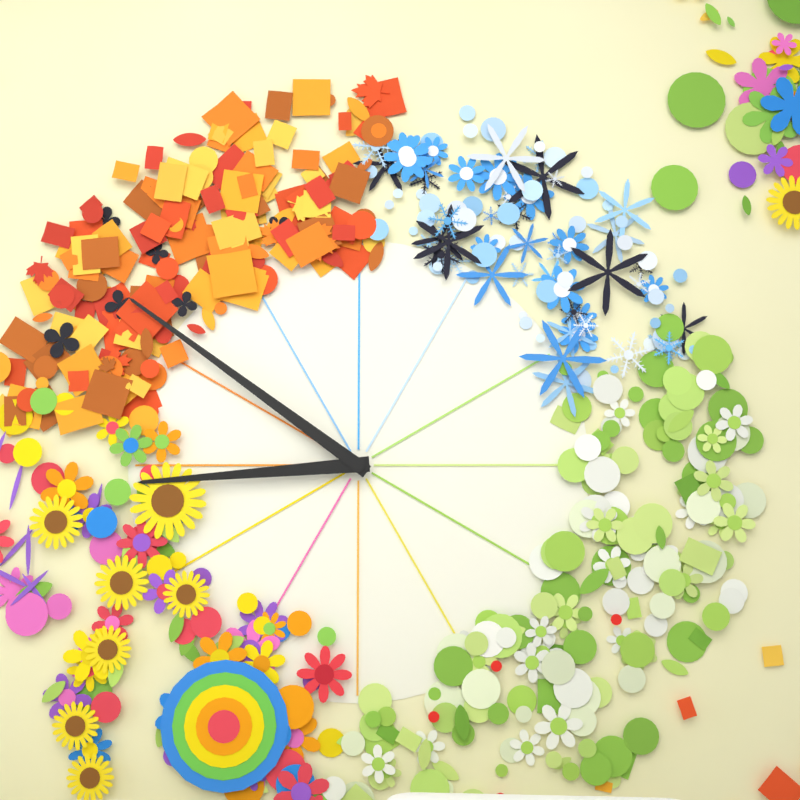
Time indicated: **8:51**
